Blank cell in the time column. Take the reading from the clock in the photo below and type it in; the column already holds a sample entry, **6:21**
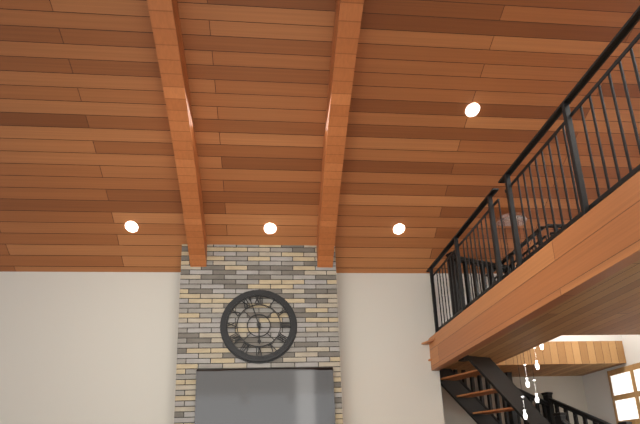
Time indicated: **5:57**
